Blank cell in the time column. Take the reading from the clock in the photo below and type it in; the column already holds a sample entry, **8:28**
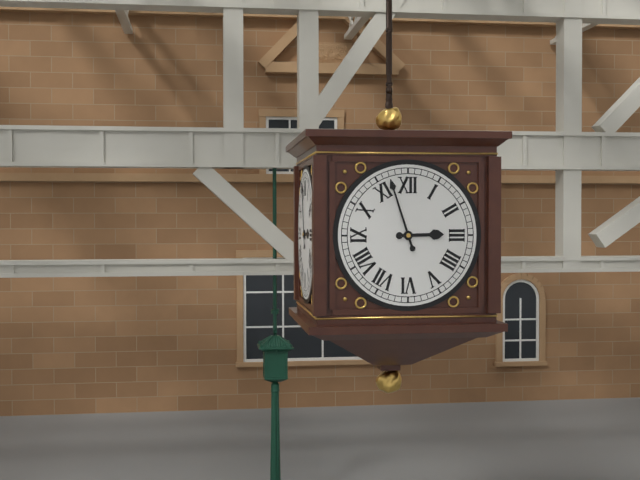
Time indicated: **2:57**
